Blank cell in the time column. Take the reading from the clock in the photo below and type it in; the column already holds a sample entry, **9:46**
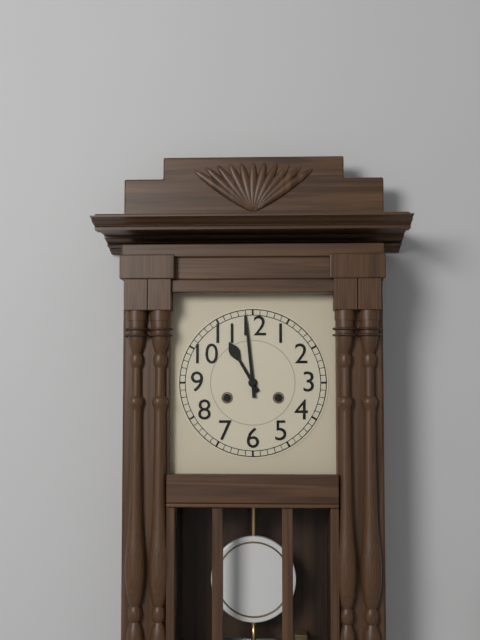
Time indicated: **10:59**
